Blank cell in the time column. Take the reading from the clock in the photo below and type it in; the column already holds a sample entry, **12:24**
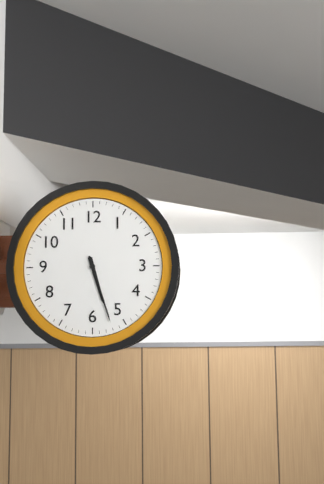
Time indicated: **5:27**
